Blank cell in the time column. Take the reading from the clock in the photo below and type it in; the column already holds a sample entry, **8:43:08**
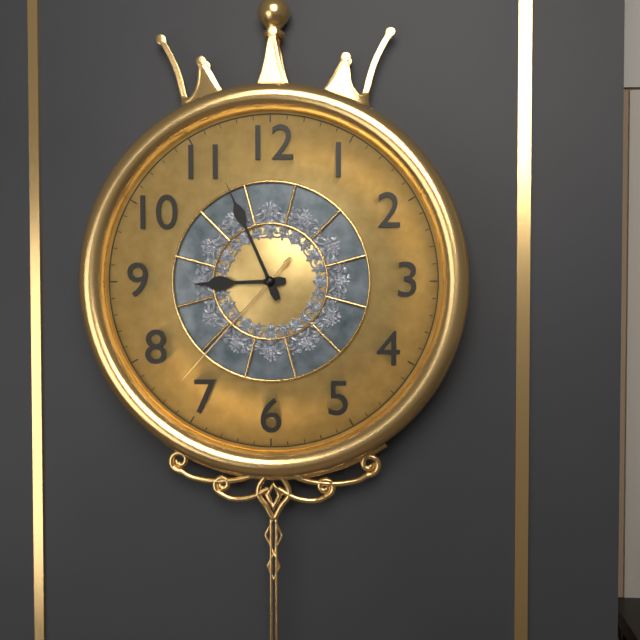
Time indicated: **8:56:37**
